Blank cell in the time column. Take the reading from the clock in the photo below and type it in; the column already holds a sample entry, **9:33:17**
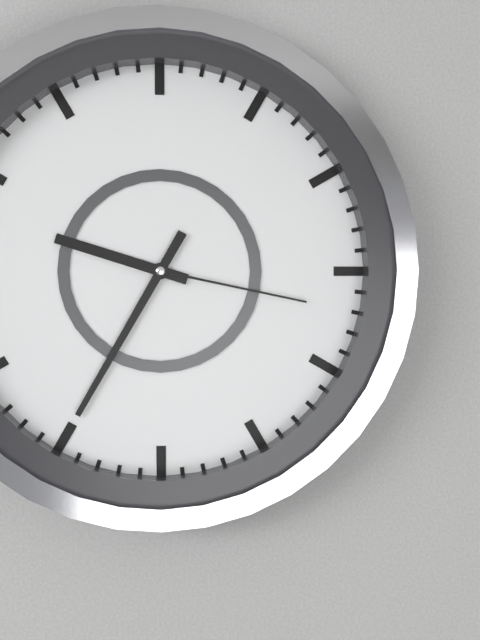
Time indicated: **9:35:17**
